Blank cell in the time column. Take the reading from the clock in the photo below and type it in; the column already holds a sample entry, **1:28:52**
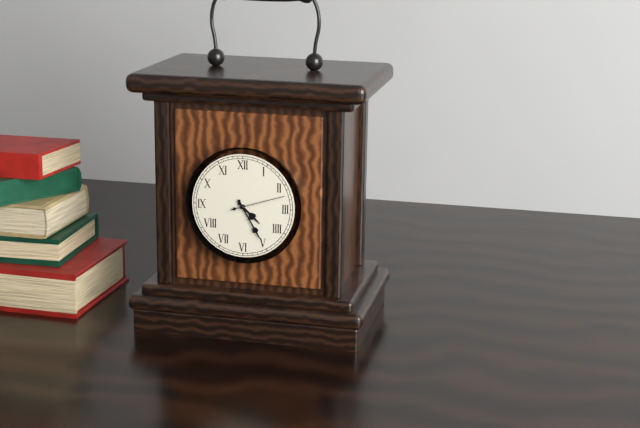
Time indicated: **4:25:12**
